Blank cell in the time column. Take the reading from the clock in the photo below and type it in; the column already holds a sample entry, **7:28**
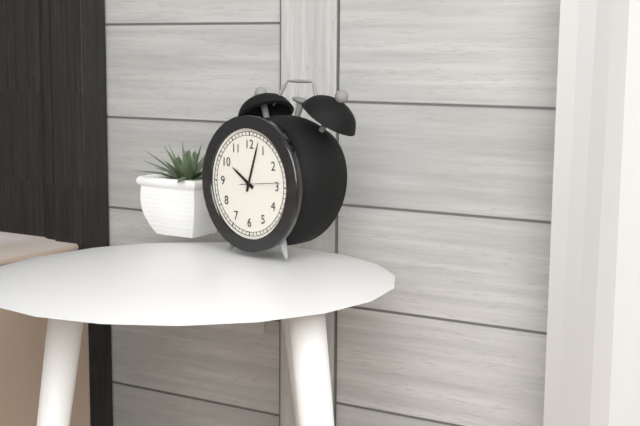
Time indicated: **10:03**
